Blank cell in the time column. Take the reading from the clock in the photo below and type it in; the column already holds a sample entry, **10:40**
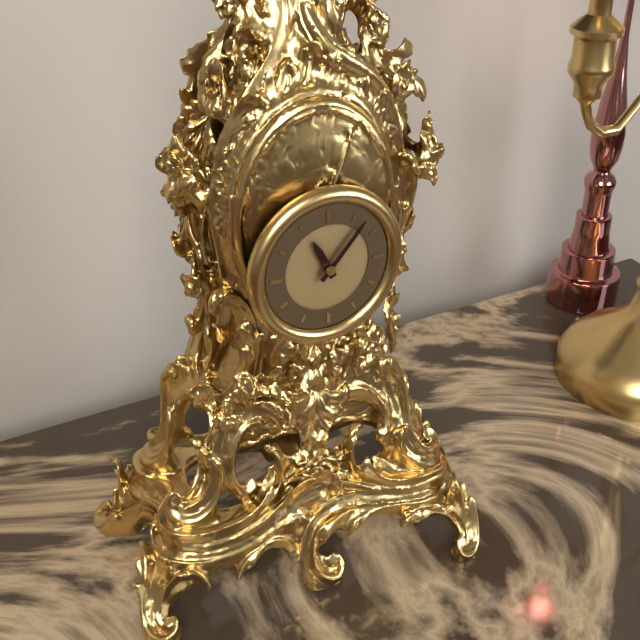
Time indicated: **11:07**
